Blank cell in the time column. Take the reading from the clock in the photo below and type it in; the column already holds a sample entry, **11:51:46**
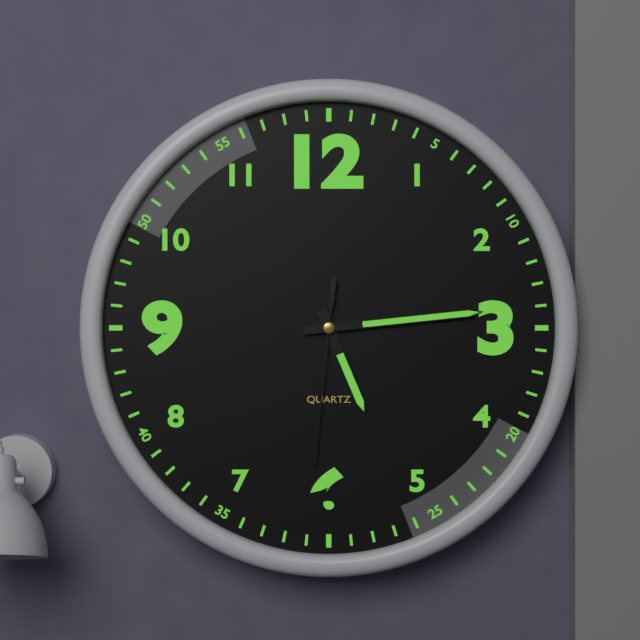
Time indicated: **5:14:31**
